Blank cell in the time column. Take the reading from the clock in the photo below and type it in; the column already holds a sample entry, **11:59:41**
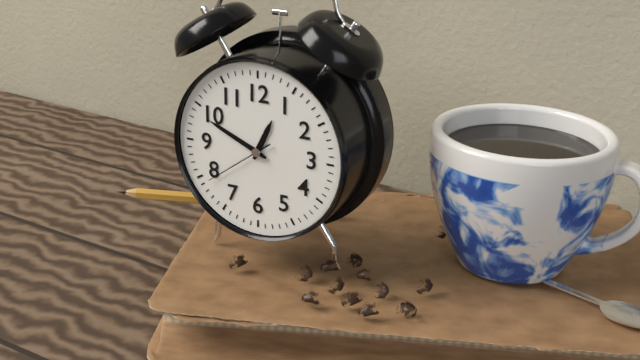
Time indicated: **12:49:39**
